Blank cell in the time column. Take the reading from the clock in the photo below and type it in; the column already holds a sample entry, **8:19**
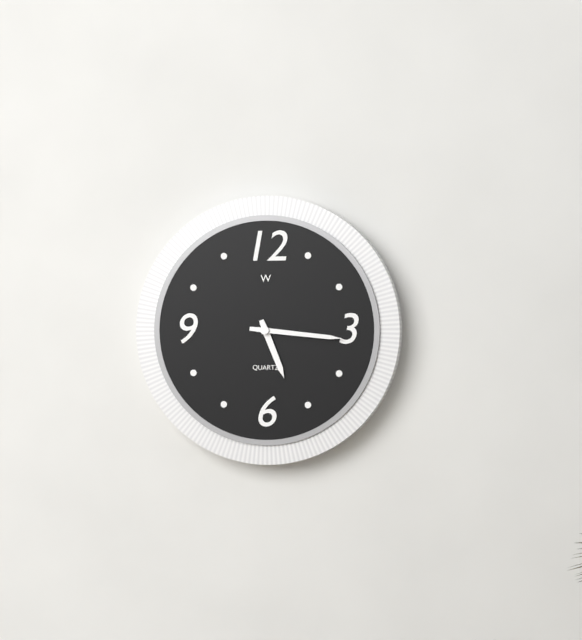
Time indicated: **5:16**
